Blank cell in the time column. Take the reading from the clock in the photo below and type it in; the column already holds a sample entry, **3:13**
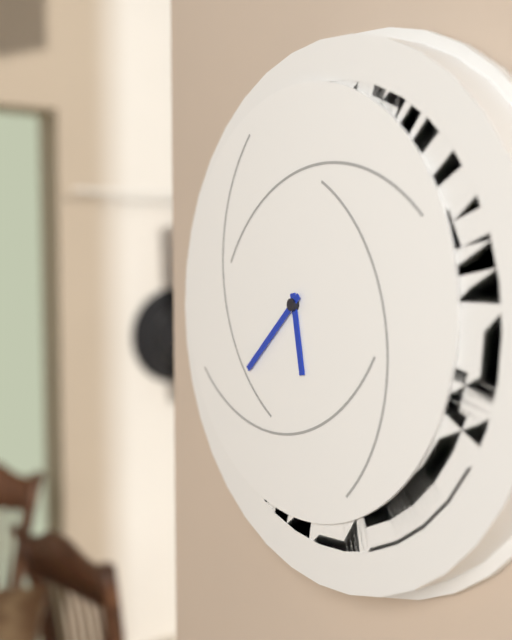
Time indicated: **5:38**
